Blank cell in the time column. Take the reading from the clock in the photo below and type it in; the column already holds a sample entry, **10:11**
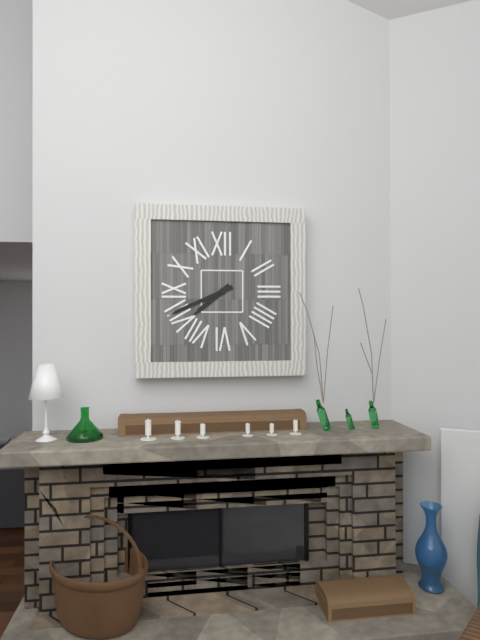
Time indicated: **7:41**
